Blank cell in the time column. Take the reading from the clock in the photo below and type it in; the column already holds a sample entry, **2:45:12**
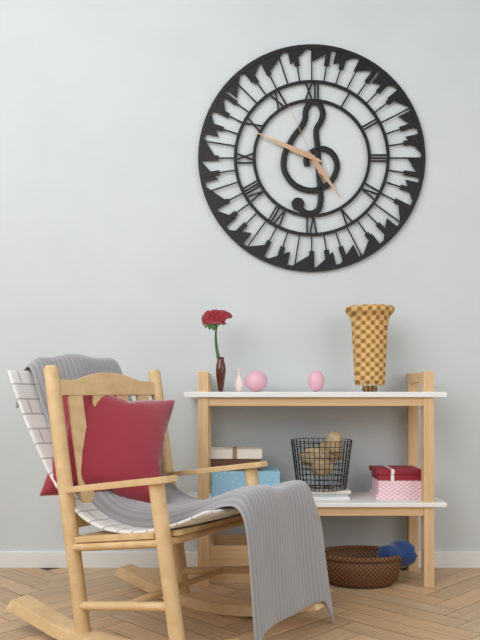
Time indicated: **4:49:56**
